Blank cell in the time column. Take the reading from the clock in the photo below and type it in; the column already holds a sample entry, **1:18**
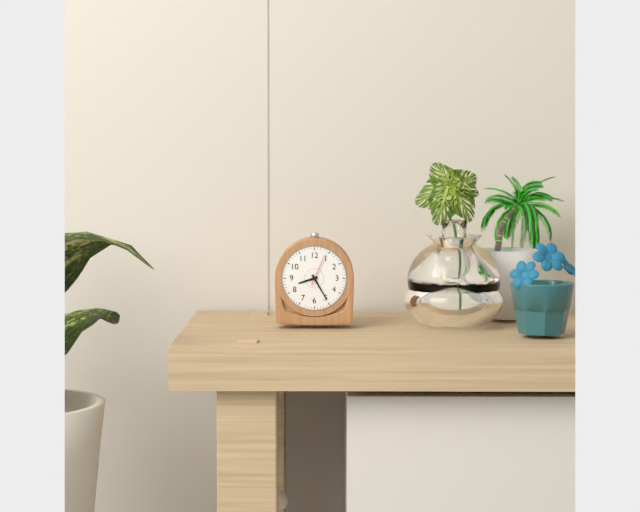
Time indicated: **8:25**
